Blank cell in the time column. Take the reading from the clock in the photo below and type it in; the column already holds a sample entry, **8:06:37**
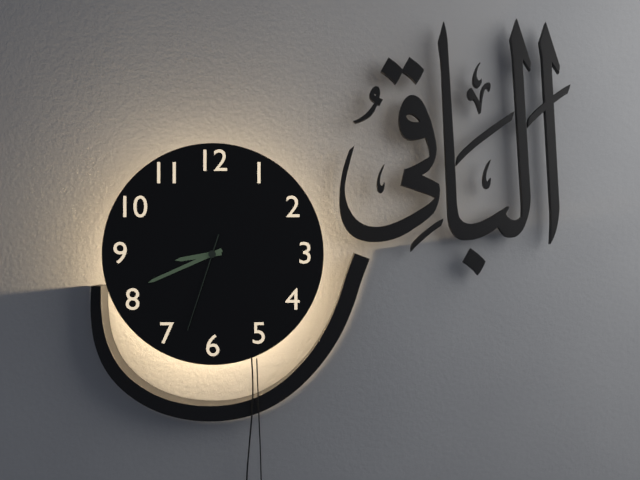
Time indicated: **8:41:33**
